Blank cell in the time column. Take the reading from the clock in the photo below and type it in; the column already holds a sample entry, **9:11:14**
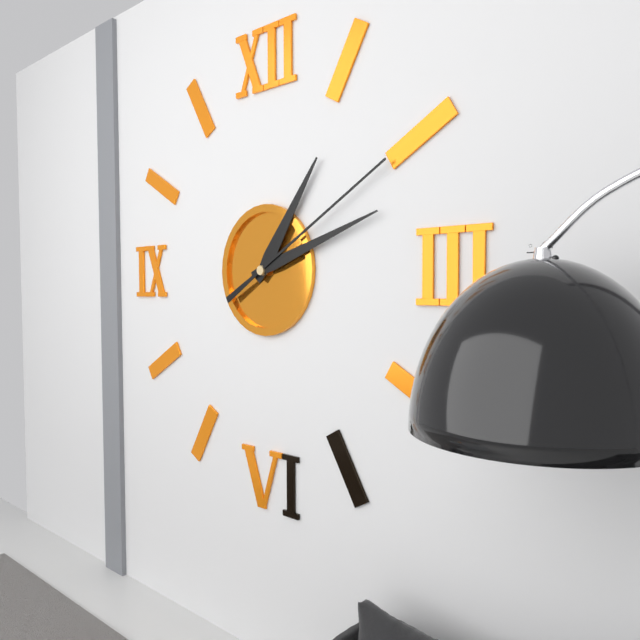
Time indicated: **1:12:10**
